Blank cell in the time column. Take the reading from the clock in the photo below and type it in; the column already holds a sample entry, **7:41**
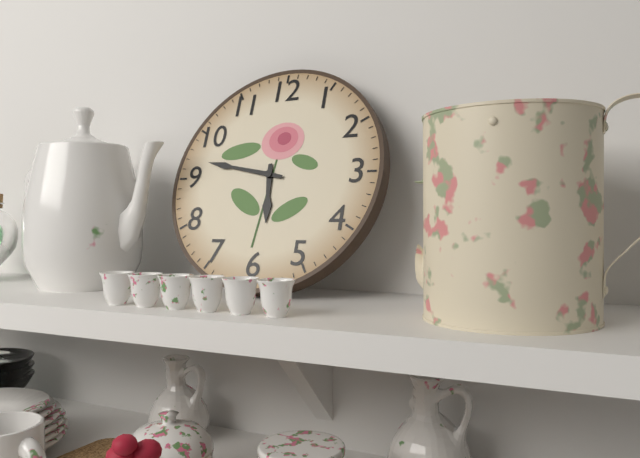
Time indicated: **5:47**
